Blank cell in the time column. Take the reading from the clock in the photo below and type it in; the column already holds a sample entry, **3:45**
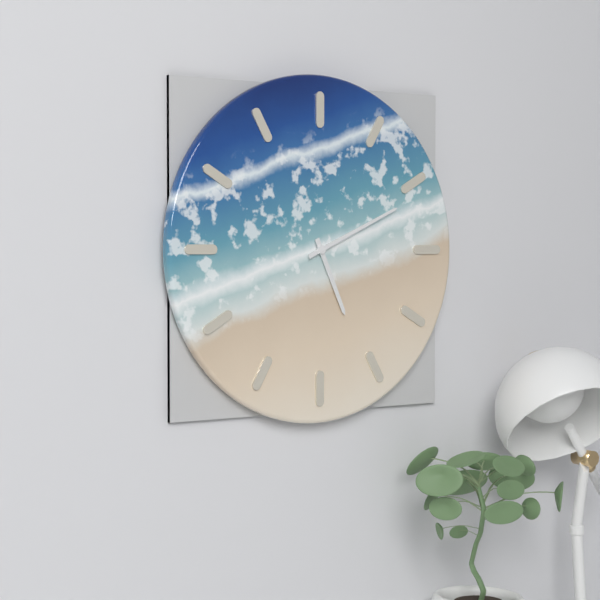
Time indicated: **5:11**
